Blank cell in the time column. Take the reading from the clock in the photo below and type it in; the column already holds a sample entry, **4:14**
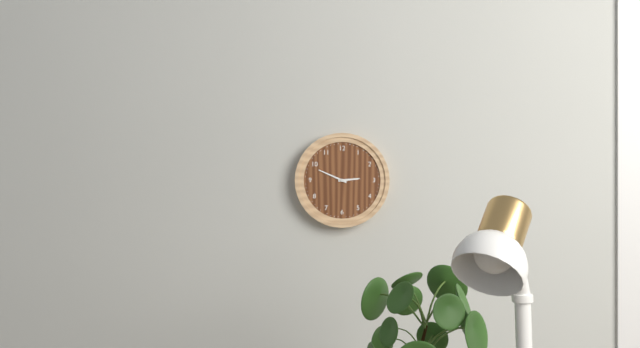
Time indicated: **2:49**
